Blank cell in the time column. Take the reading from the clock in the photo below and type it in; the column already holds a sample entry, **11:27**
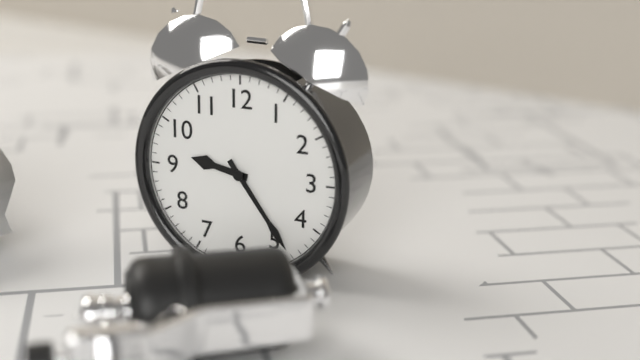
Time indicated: **9:24**
